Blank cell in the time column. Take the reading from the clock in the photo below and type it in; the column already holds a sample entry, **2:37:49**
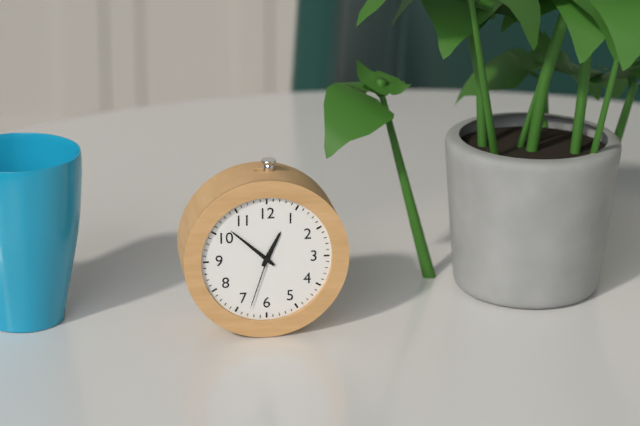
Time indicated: **12:52:33**
